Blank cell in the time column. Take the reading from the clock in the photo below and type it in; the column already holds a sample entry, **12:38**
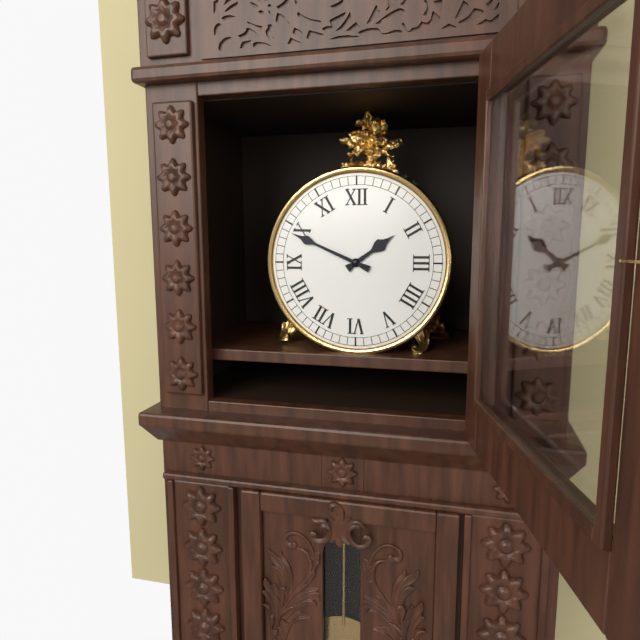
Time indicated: **1:49**
